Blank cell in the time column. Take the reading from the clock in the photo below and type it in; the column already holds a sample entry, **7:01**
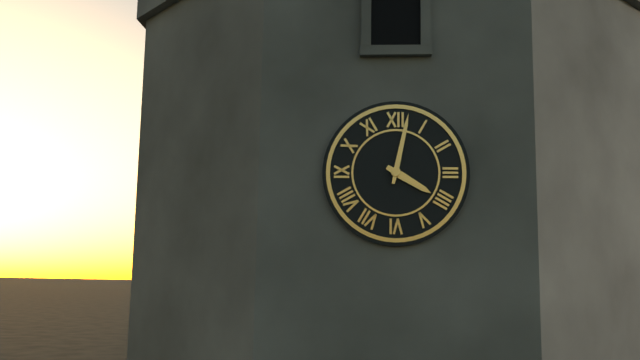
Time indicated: **4:02**
